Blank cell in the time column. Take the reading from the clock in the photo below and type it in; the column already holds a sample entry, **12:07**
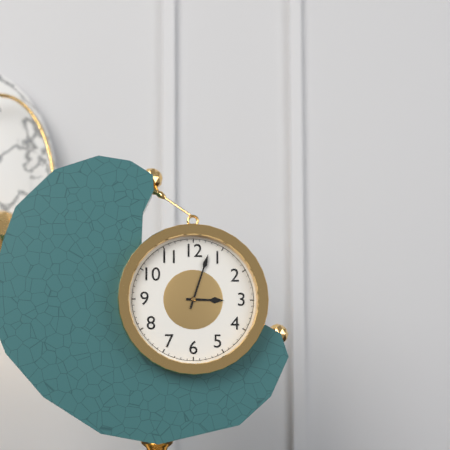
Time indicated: **3:03**
